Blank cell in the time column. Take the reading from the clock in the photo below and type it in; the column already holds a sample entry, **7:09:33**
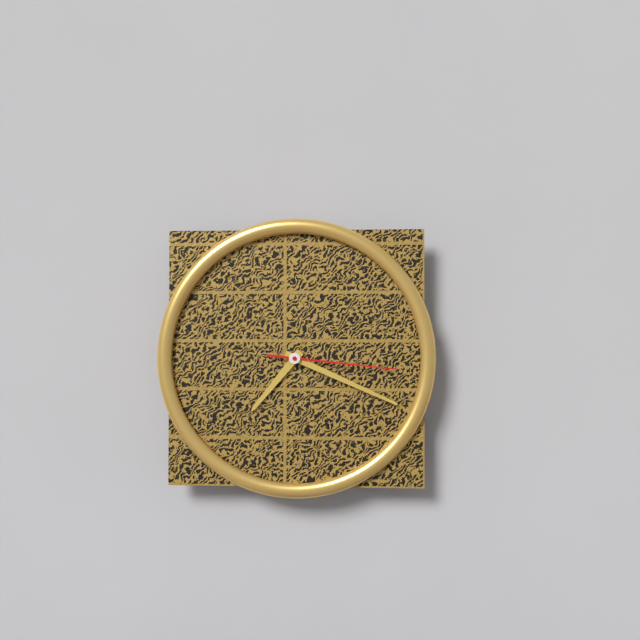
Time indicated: **7:19:16**
